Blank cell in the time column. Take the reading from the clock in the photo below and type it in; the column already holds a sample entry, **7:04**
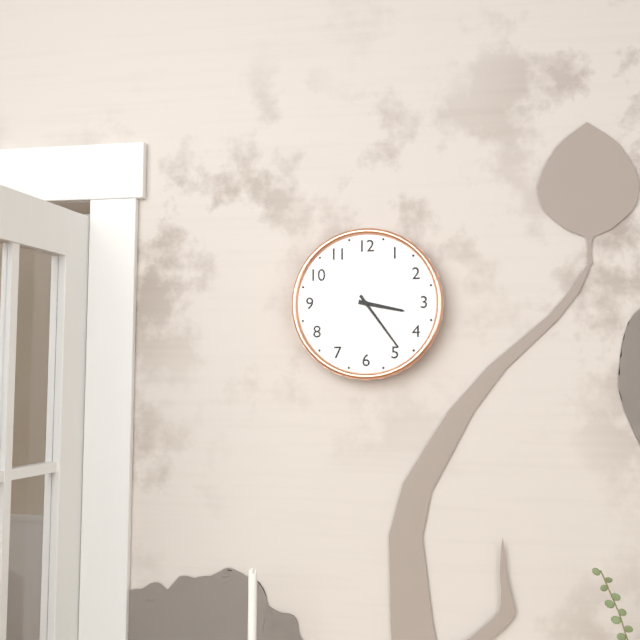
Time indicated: **3:24**
